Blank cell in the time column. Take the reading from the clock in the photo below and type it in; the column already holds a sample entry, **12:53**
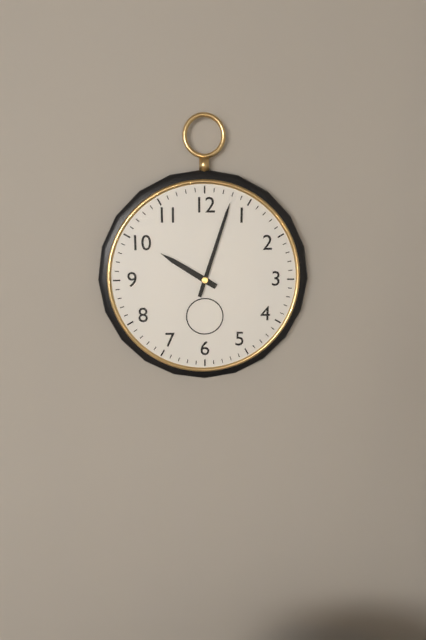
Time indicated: **10:03**
